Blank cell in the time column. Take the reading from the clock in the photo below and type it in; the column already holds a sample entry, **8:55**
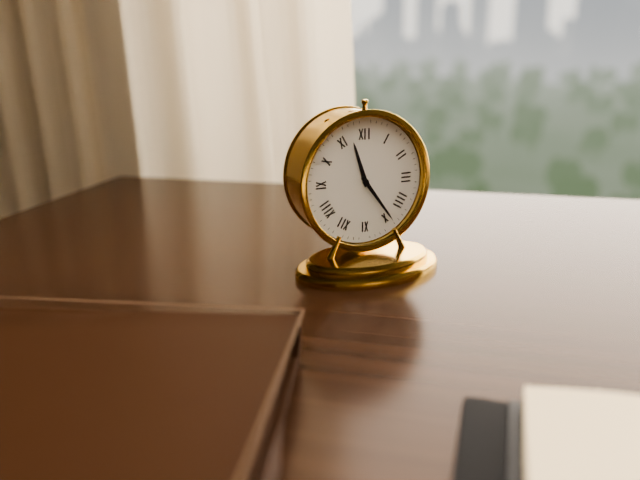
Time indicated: **11:24**
